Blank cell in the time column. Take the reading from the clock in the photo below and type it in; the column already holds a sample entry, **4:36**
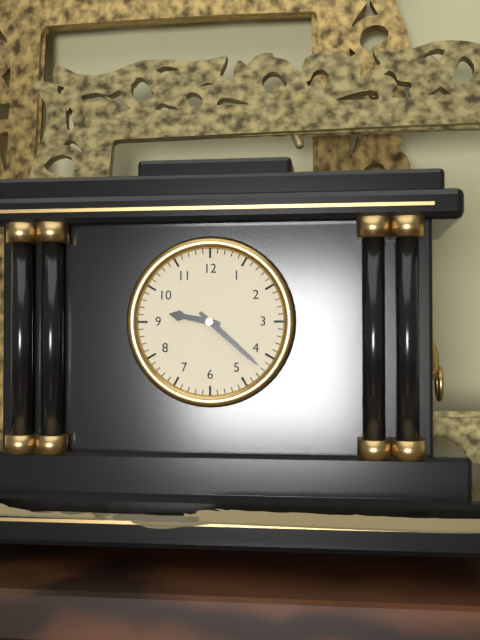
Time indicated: **9:22**
